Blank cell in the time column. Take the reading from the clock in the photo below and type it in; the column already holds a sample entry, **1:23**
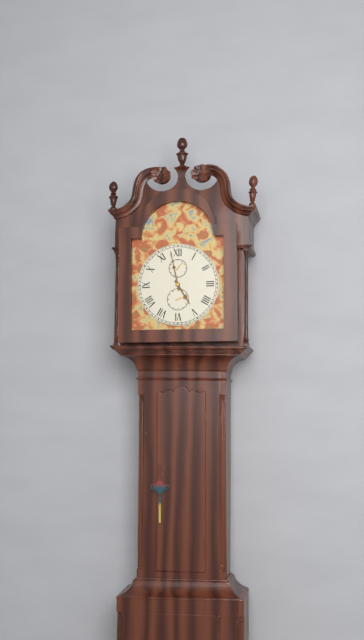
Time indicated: **4:58**
